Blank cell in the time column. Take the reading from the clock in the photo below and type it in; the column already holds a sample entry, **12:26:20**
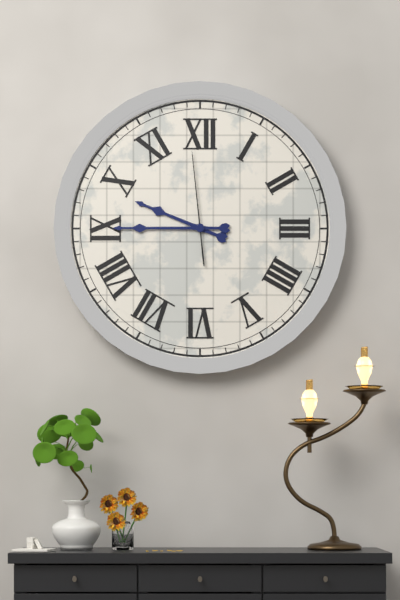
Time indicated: **9:45:59**
